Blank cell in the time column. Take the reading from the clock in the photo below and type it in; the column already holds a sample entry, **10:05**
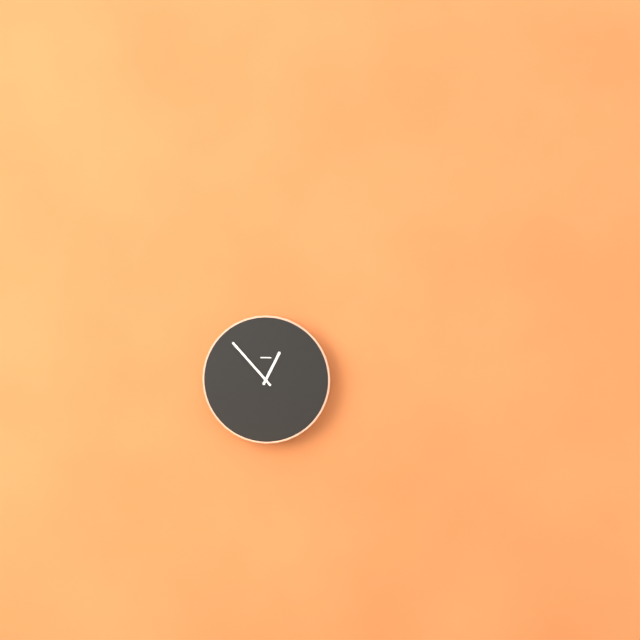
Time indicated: **12:53**
